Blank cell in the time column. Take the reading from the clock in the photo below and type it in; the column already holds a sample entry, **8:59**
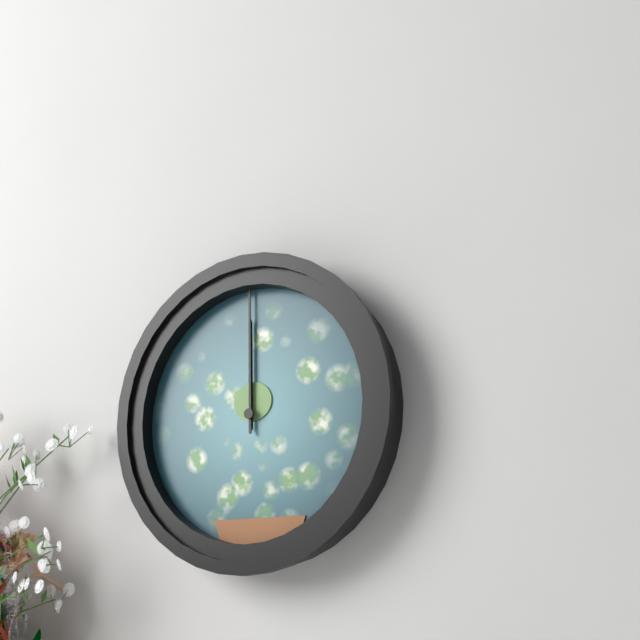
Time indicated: **12:00**
